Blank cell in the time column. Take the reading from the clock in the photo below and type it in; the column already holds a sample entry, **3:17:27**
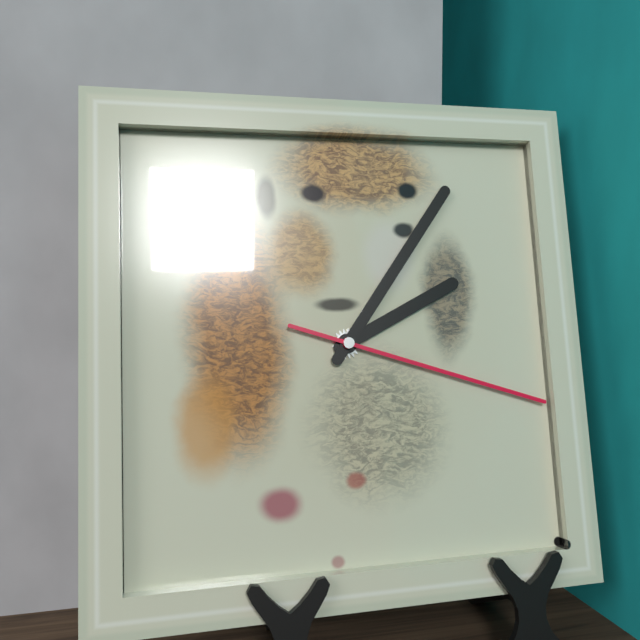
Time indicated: **2:06:18**
